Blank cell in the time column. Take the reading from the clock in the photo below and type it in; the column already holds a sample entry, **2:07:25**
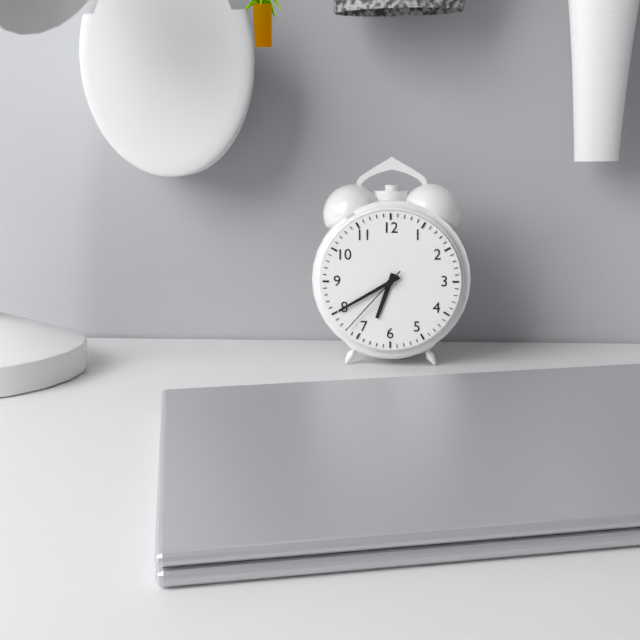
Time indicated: **6:40:37**
